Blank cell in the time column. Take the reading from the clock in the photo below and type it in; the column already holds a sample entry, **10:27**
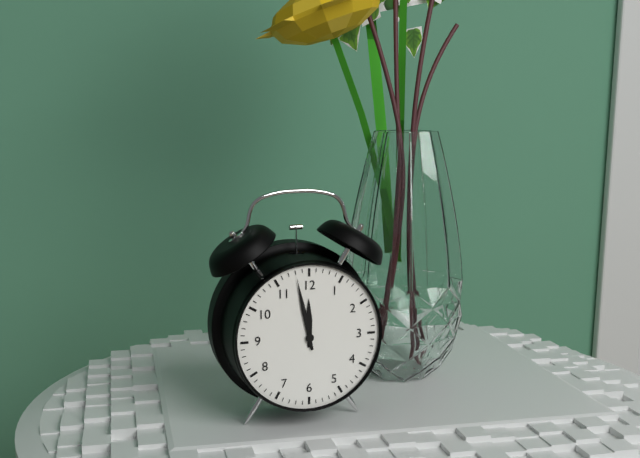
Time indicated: **11:58**
